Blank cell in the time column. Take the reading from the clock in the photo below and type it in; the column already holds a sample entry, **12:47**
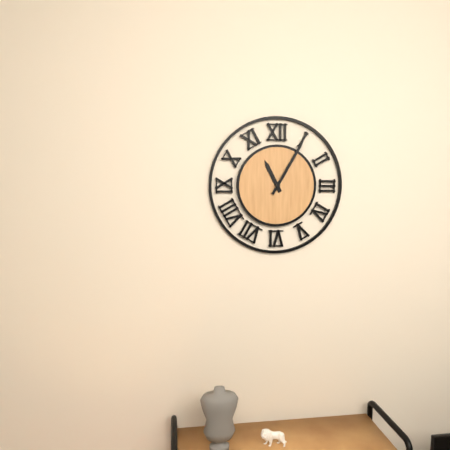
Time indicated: **11:05**
